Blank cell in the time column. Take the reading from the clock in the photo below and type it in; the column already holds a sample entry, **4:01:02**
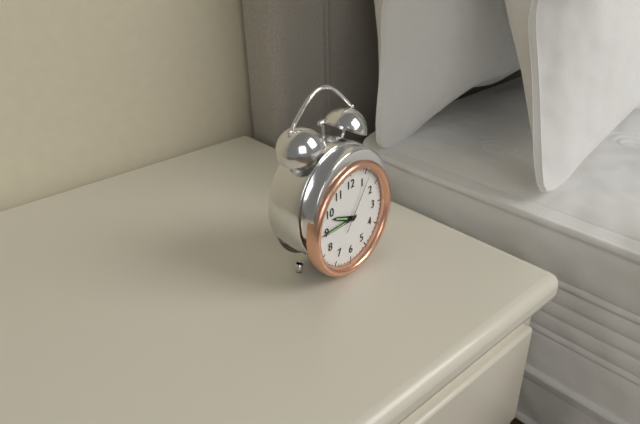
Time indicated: **9:45:06**
